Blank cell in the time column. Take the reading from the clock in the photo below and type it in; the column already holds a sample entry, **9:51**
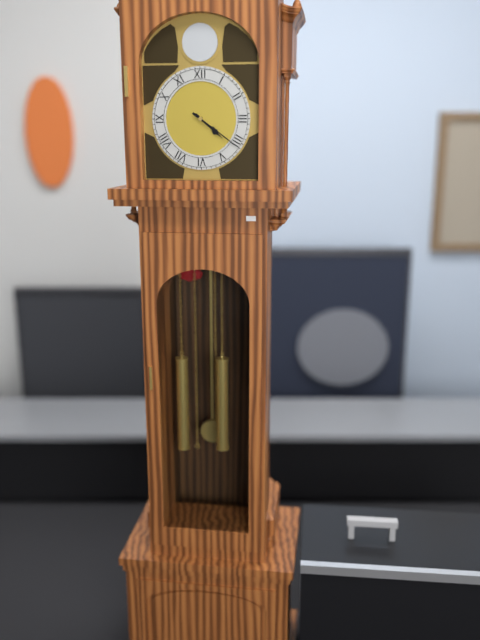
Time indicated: **4:21**
